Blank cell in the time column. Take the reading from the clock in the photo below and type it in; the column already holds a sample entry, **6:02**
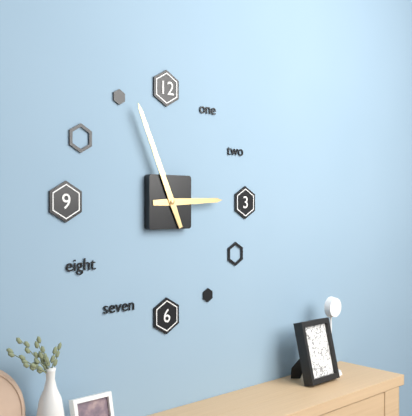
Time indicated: **2:56**
